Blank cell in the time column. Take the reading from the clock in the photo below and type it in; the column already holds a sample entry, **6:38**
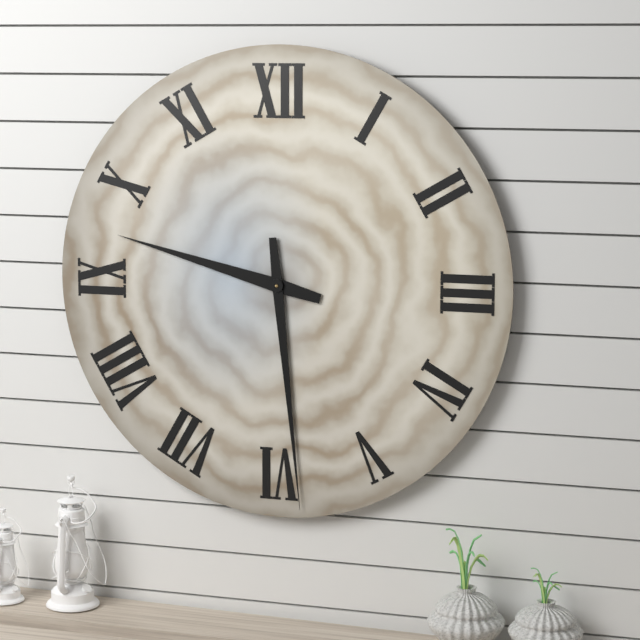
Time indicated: **9:29**
